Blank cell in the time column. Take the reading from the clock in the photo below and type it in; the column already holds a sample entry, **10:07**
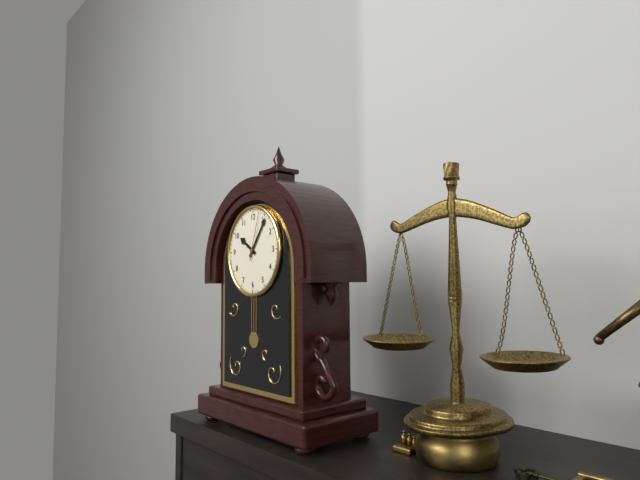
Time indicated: **10:06**
